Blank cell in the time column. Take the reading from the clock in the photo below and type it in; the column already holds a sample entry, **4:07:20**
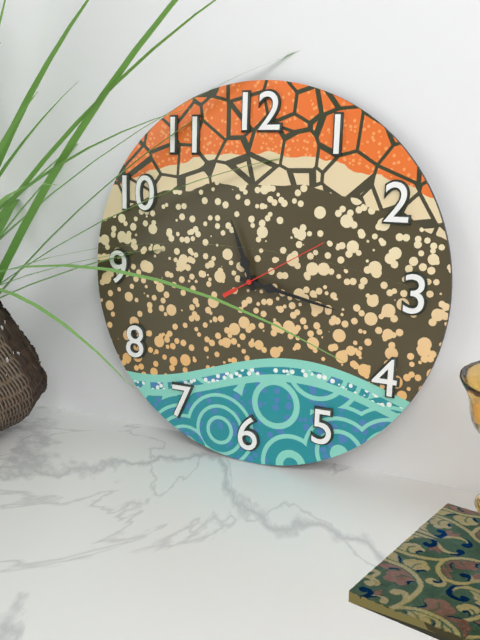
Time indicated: **11:17:10**
